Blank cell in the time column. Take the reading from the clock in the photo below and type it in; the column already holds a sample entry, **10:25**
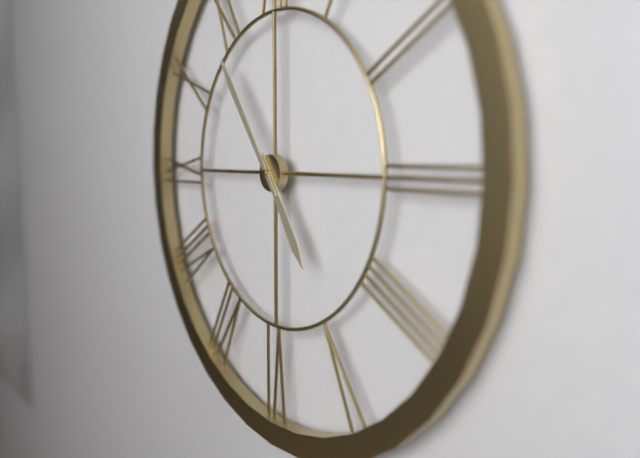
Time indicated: **4:54**
